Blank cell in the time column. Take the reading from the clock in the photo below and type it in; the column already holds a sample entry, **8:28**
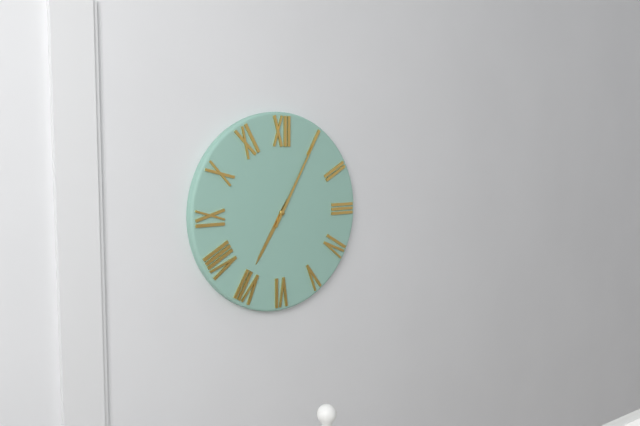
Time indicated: **7:05**
